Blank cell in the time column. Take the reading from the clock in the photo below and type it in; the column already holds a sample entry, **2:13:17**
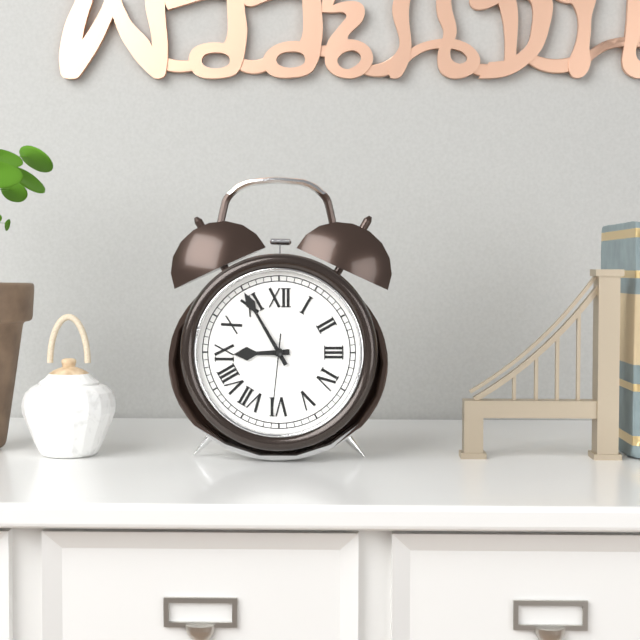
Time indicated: **8:55:31**
